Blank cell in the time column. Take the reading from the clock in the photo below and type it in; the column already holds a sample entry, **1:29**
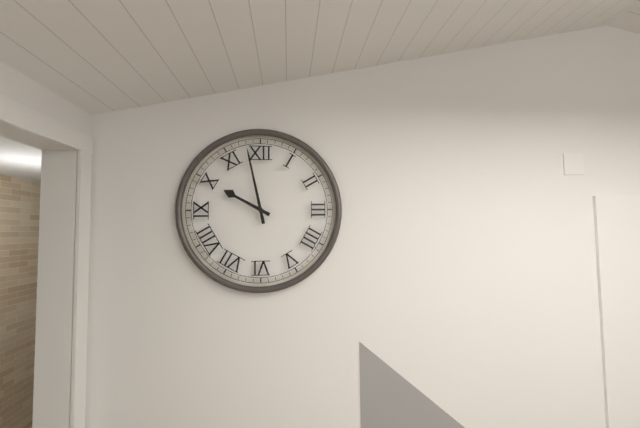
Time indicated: **9:58**
